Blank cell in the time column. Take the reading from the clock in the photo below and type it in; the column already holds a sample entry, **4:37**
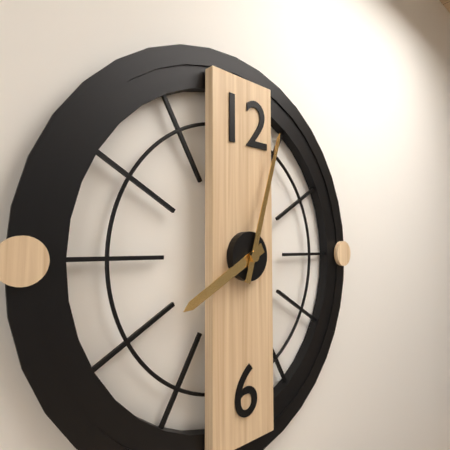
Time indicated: **8:03**
